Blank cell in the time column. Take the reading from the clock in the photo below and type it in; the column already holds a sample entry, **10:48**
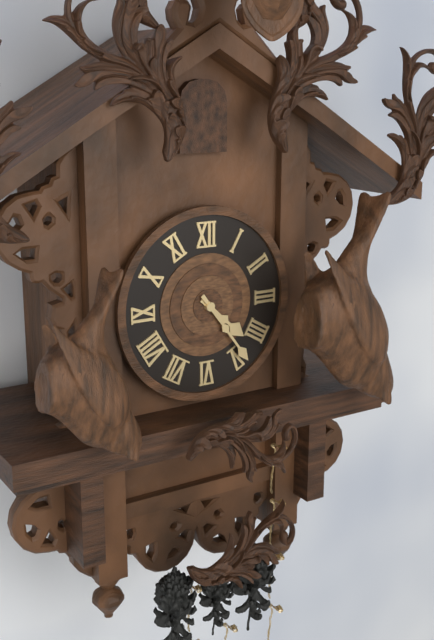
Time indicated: **4:24**
